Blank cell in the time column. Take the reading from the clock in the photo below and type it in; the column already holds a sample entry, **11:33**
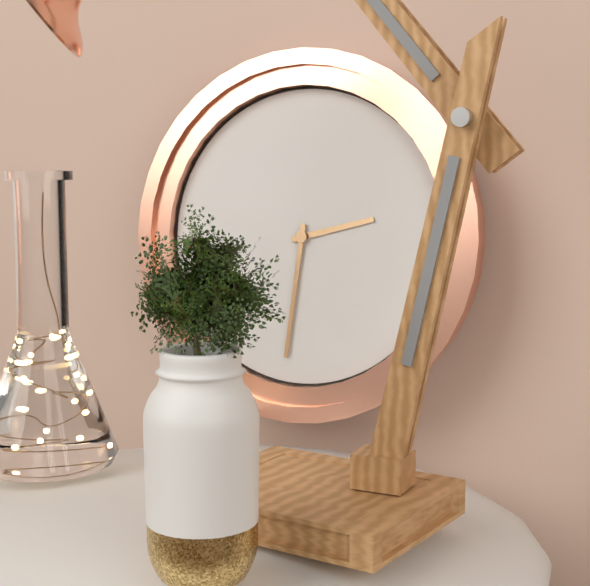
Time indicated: **2:31**
